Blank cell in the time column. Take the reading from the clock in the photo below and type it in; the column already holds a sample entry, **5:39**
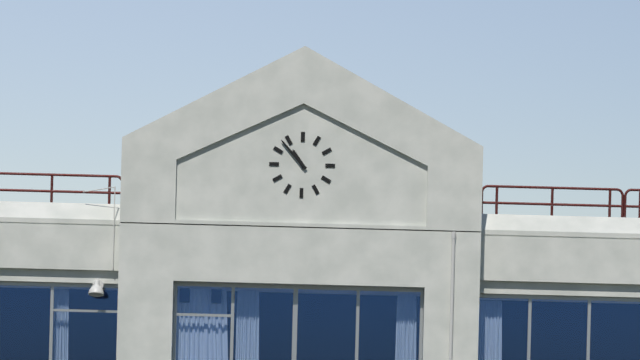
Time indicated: **10:53**
